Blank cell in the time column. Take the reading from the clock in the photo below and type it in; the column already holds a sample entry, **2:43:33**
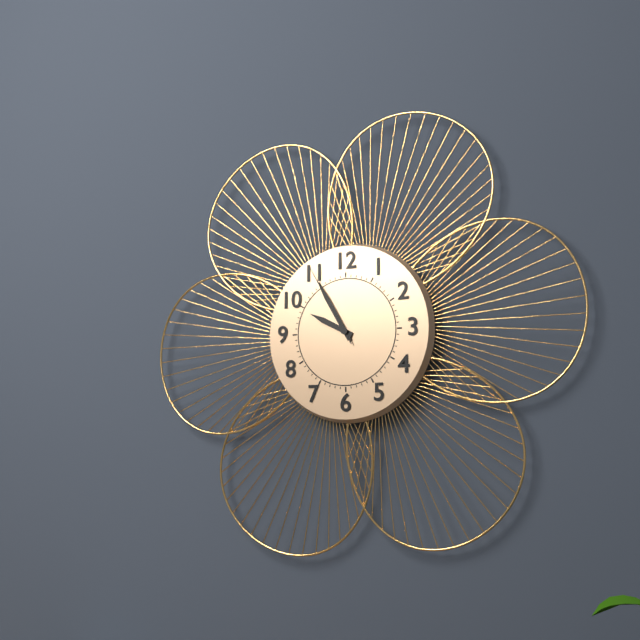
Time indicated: **9:55:55**
